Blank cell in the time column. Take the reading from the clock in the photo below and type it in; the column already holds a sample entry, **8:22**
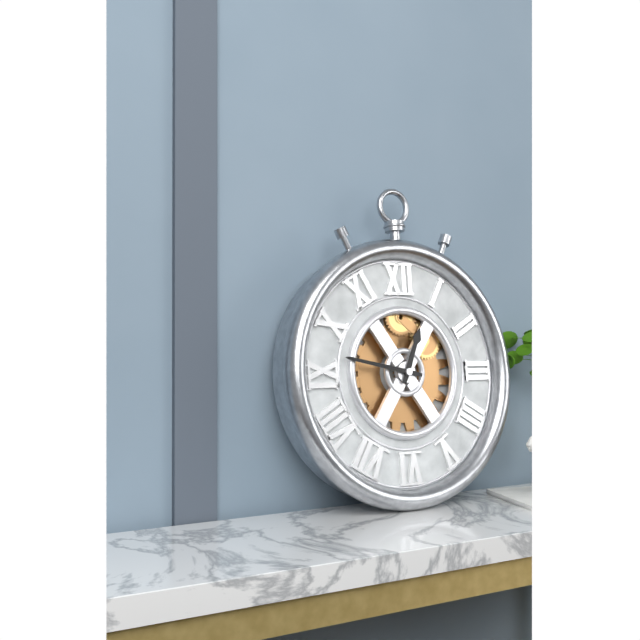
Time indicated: **12:47**
